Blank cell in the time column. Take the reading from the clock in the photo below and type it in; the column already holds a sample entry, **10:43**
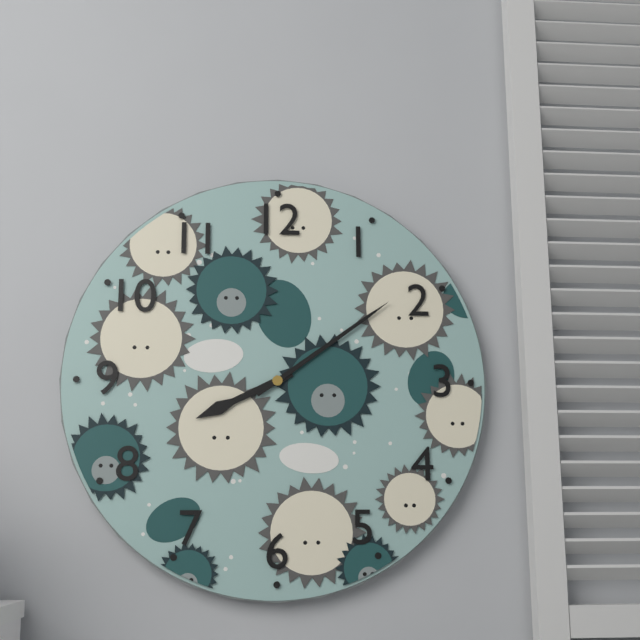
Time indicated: **8:09**
